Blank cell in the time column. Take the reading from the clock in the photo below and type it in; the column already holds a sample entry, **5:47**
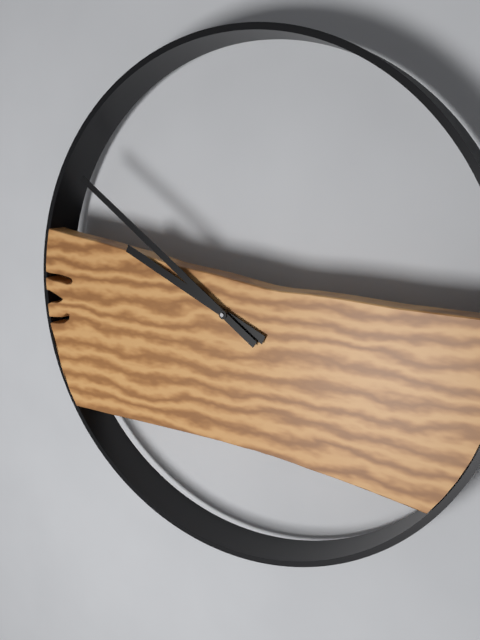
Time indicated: **9:51**
